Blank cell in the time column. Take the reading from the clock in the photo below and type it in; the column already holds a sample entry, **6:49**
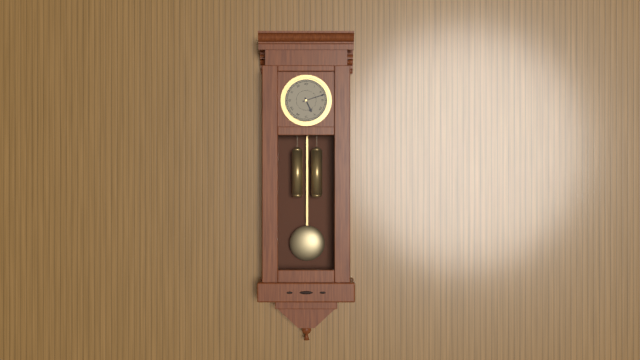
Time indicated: **5:12**
